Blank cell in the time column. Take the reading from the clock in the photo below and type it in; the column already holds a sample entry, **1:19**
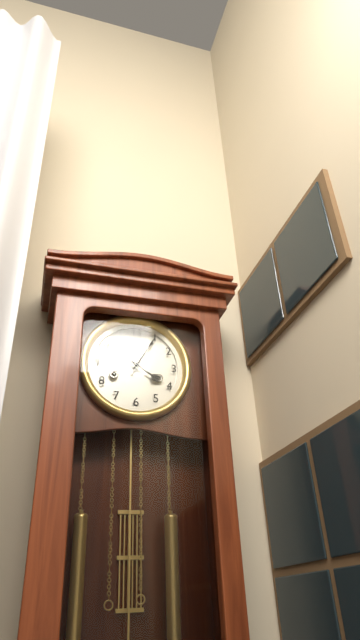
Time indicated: **4:05**
